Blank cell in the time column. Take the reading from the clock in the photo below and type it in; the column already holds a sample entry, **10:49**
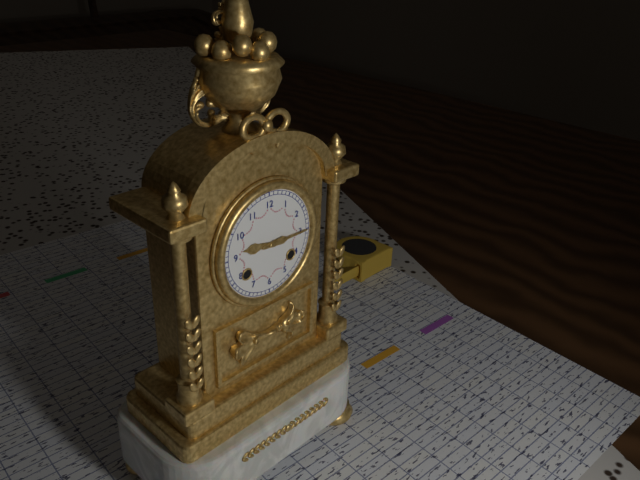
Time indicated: **9:15**
